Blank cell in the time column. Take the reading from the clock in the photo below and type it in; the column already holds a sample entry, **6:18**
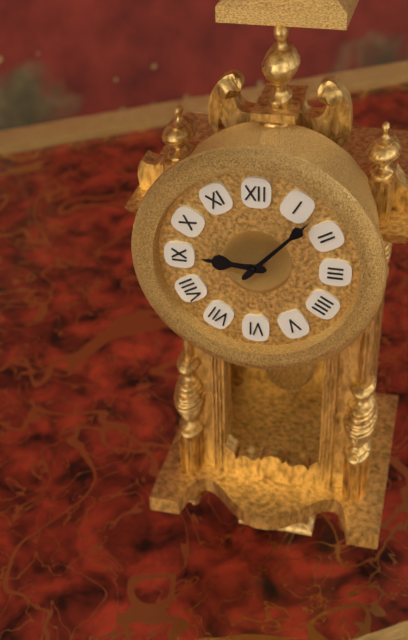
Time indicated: **9:07**
